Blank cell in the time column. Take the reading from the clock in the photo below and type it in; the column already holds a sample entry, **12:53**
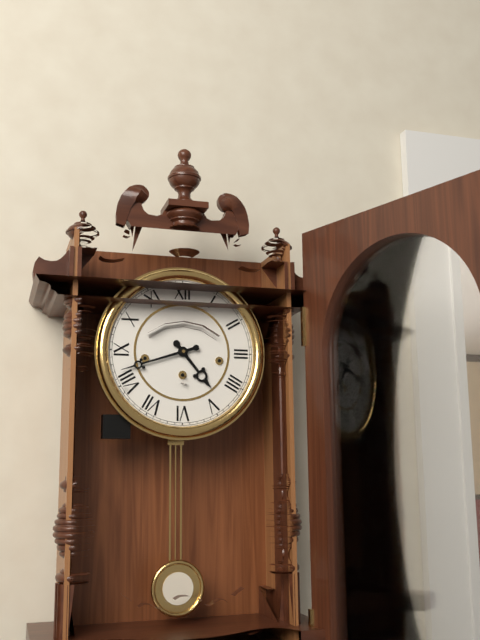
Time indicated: **4:42**
